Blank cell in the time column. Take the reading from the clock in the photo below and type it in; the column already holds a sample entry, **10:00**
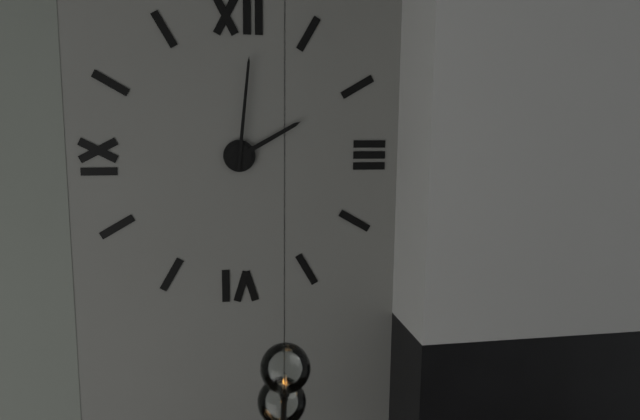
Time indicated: **2:01**
